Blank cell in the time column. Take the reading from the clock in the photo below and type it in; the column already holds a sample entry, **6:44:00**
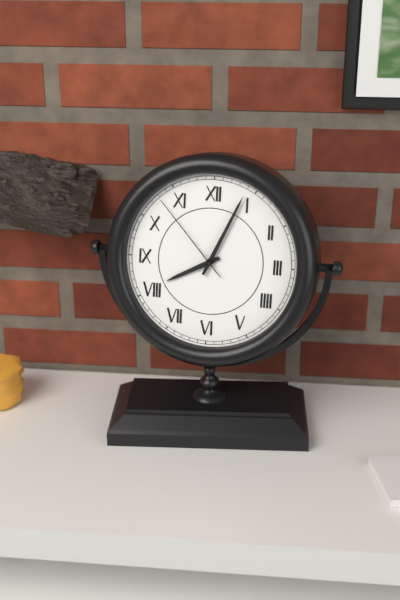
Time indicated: **8:04:53**
